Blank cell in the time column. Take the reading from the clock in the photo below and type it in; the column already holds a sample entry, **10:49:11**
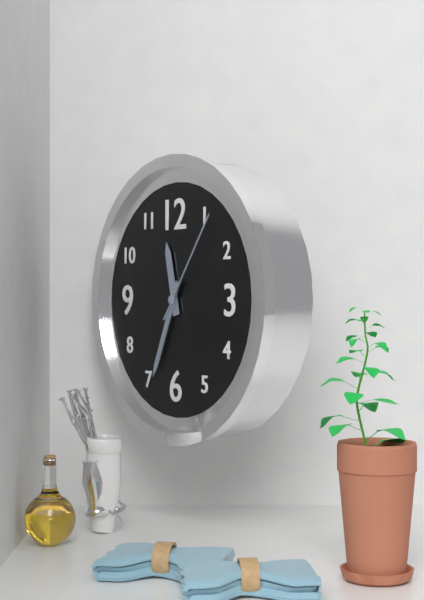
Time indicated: **11:34:06**
